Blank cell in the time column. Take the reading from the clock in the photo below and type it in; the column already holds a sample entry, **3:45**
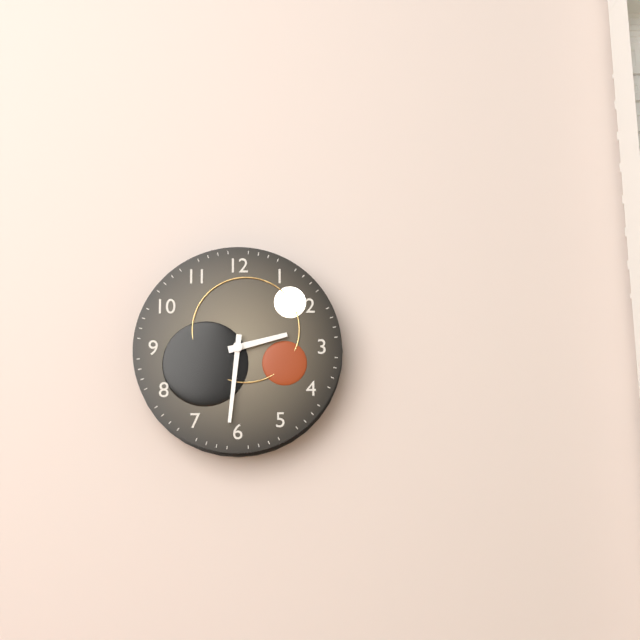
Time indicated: **2:31**
